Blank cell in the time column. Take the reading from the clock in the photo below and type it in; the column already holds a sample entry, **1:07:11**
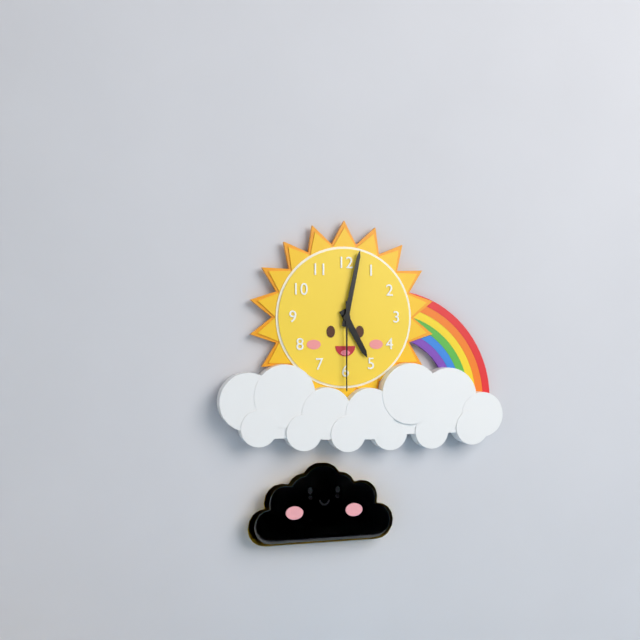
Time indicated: **5:02:30**
